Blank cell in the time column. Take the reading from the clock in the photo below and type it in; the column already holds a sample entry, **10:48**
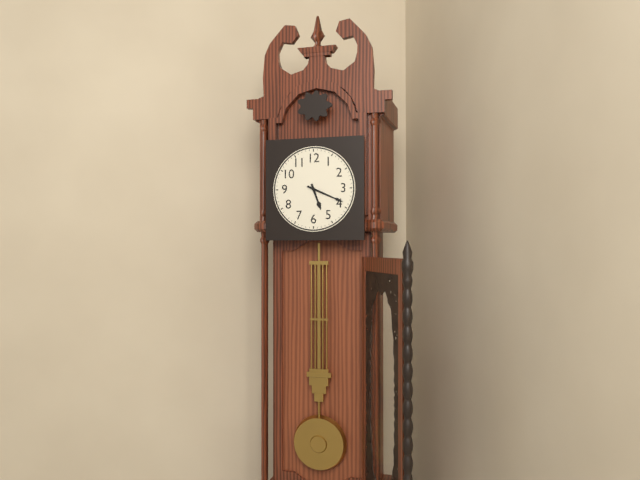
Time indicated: **5:19**
